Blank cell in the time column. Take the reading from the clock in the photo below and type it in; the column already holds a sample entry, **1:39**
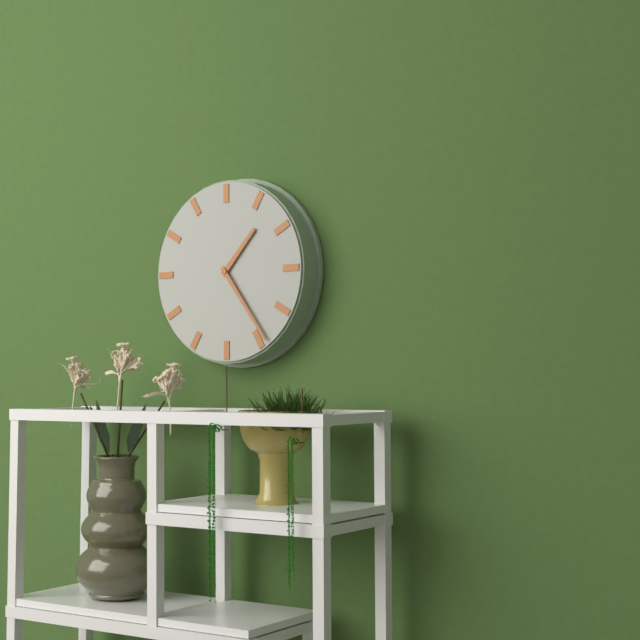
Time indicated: **1:24**
